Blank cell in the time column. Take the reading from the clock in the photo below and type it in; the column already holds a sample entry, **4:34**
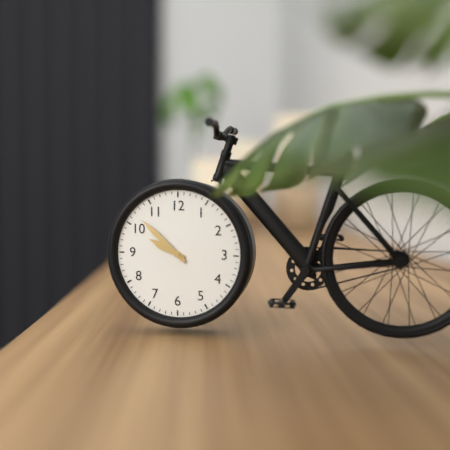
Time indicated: **9:52**
